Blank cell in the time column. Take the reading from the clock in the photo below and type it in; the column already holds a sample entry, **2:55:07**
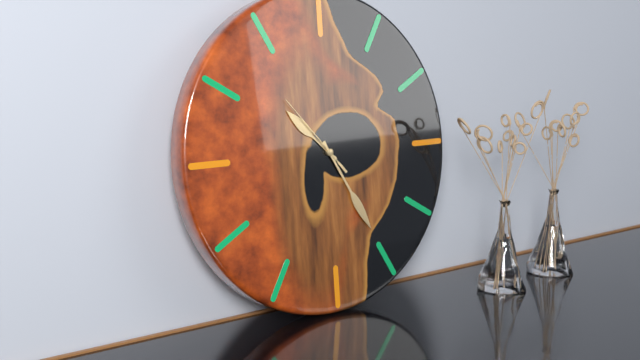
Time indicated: **10:25:53**
